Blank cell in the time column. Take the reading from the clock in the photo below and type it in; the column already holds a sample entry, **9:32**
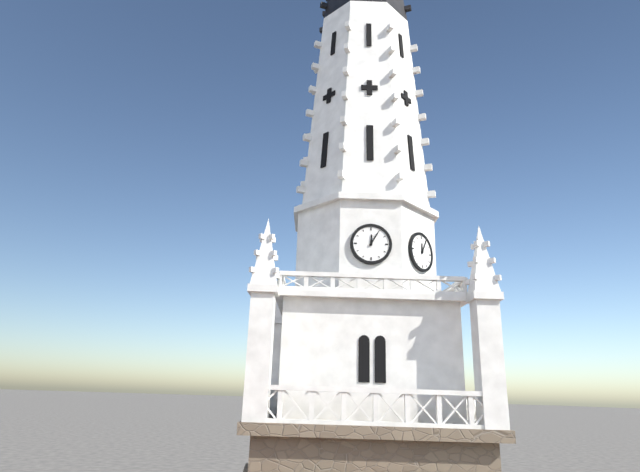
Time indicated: **12:05**
